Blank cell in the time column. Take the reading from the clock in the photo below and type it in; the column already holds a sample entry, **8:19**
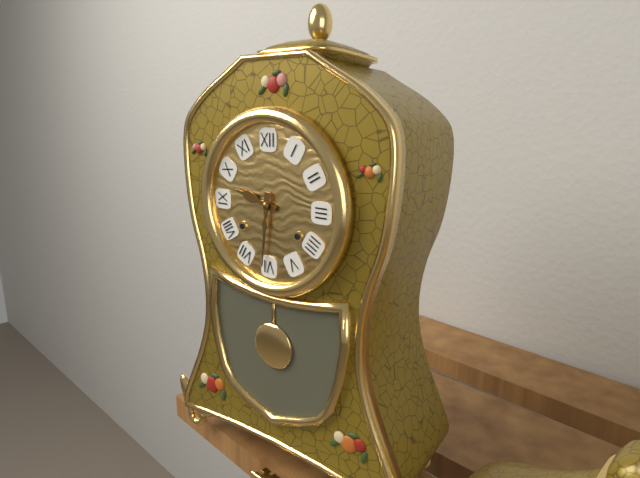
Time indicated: **9:31**
